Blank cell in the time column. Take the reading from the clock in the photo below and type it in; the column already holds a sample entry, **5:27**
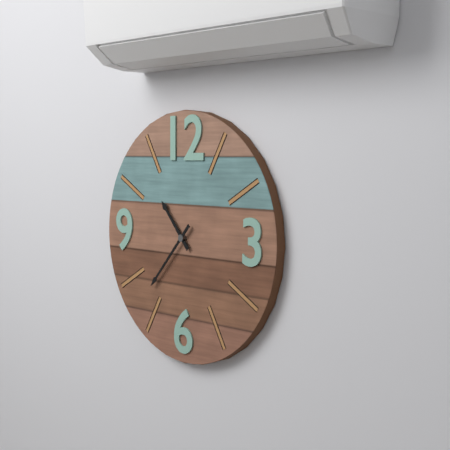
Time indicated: **10:37**
